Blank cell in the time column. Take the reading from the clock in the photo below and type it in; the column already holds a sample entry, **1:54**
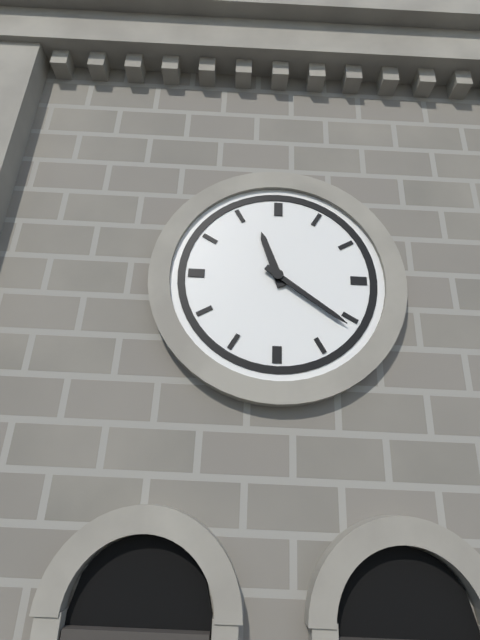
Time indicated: **11:21**
